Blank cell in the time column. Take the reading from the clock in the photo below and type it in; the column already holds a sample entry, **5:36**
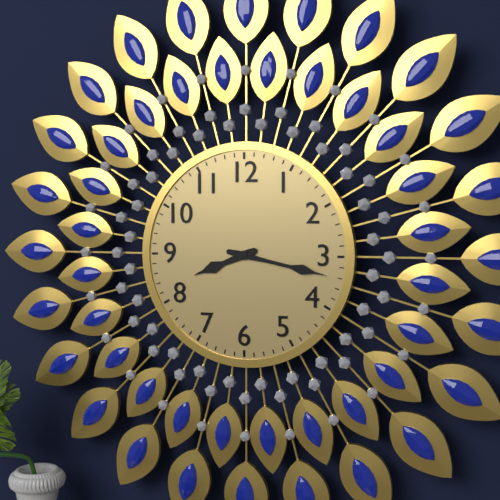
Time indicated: **8:17**
